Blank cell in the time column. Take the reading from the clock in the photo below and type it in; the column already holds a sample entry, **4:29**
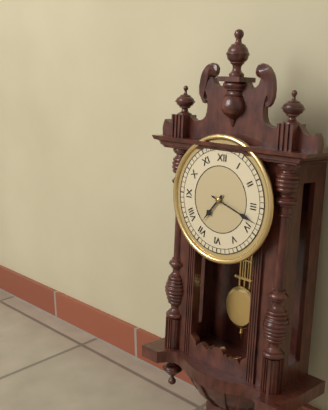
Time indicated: **7:18**
